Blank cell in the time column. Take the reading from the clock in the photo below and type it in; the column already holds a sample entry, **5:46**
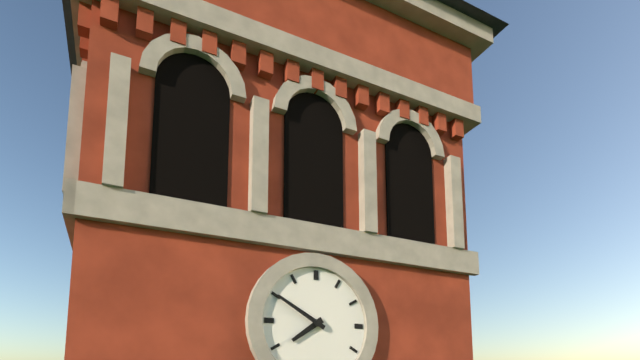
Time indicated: **7:50**
